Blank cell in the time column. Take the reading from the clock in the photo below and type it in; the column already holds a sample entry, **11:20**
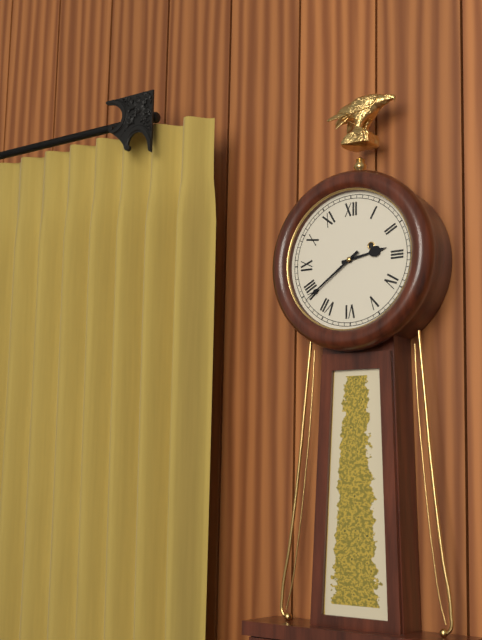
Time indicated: **2:39**
